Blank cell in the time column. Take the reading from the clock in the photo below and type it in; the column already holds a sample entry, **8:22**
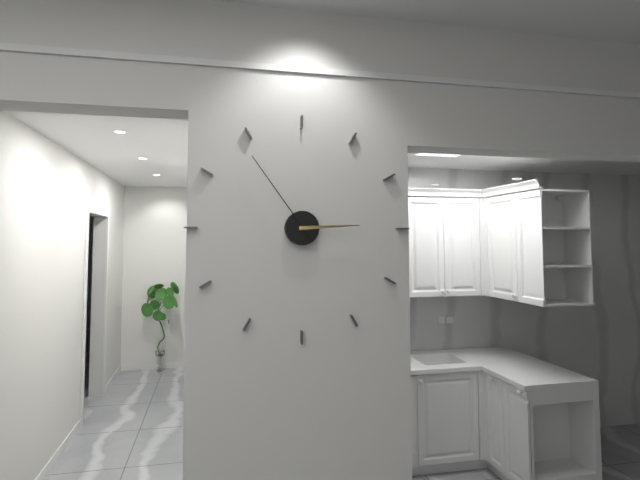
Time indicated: **2:54**
